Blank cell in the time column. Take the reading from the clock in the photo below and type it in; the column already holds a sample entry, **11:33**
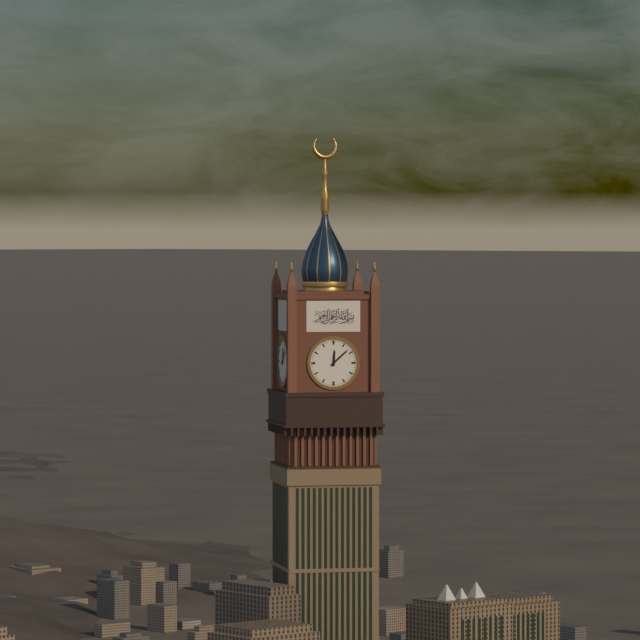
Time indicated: **12:08**
